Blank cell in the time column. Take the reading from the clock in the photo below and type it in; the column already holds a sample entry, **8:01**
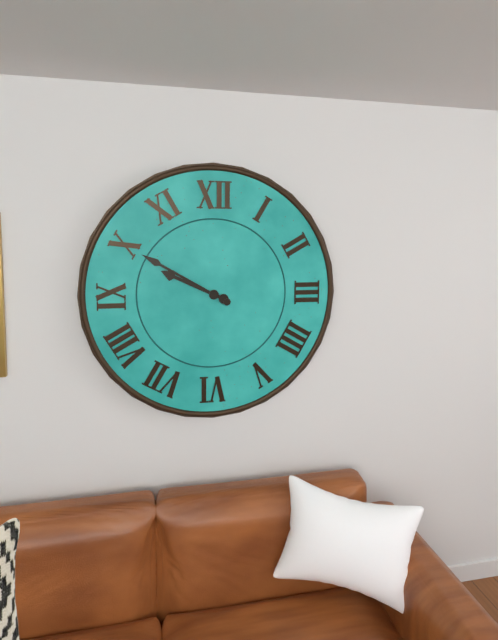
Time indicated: **9:50**
